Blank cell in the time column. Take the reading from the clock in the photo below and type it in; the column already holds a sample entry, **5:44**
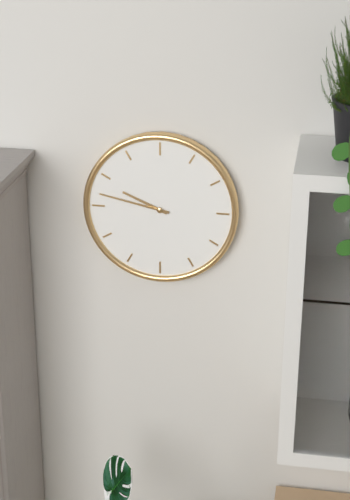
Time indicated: **9:47**
